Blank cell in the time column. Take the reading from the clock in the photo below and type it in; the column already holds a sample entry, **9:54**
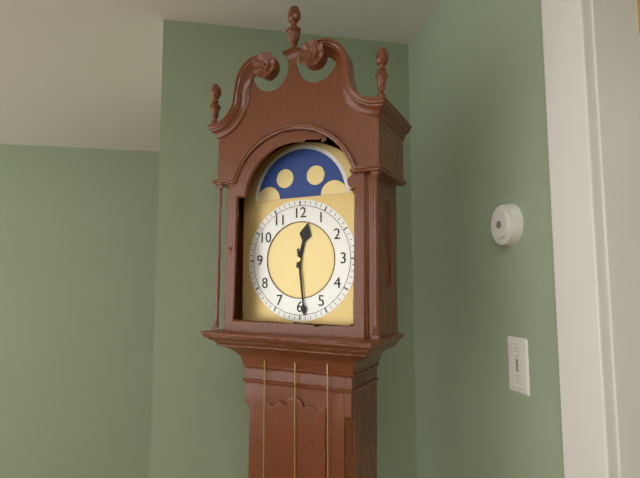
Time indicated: **12:29**
